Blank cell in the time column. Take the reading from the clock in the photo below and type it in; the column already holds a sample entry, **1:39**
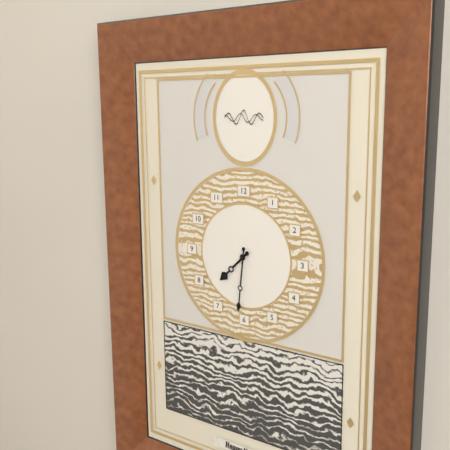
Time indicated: **7:31**
